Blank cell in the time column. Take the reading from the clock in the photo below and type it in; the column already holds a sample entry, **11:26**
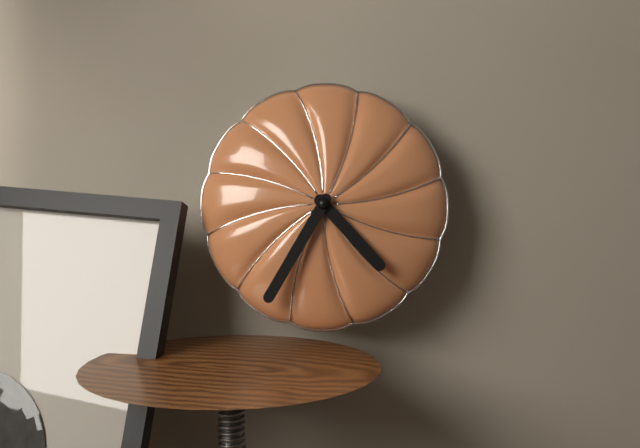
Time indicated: **4:35**
